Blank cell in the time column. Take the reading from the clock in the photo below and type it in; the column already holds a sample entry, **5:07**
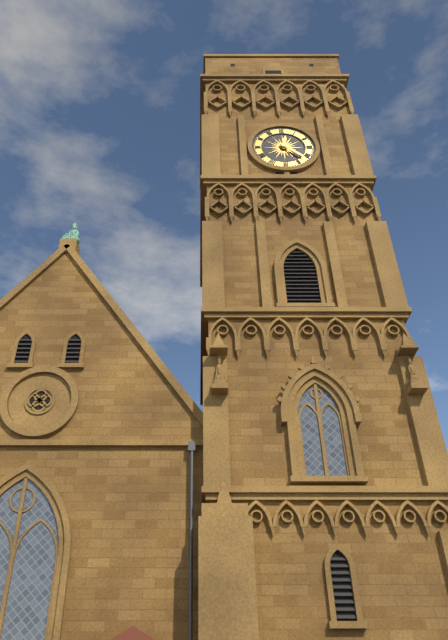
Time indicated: **12:22**
